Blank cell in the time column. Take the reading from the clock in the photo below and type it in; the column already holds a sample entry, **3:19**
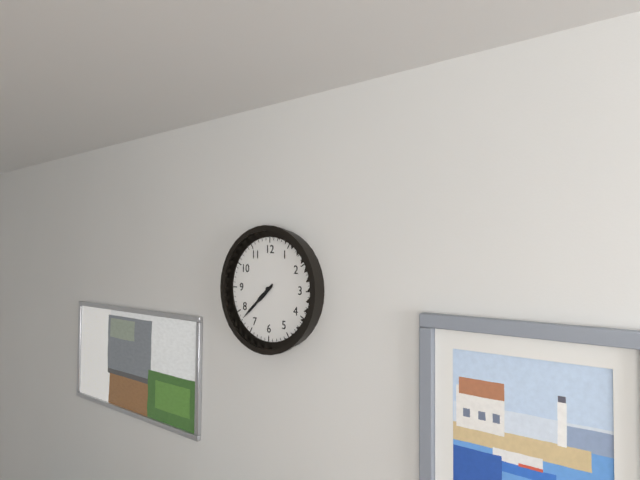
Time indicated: **7:38**
